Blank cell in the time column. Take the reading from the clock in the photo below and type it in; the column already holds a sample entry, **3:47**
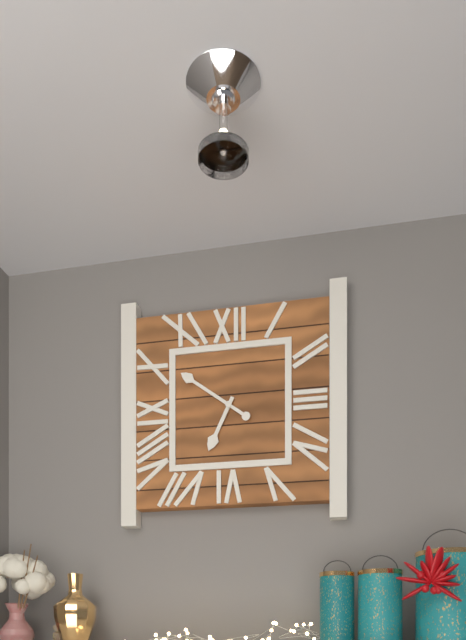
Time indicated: **6:51**
